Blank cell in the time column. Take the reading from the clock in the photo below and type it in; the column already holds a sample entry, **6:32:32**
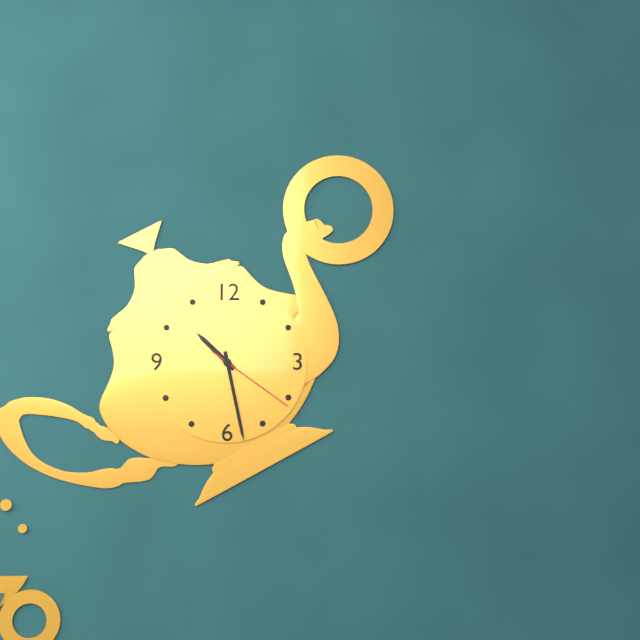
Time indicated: **10:28:21**
